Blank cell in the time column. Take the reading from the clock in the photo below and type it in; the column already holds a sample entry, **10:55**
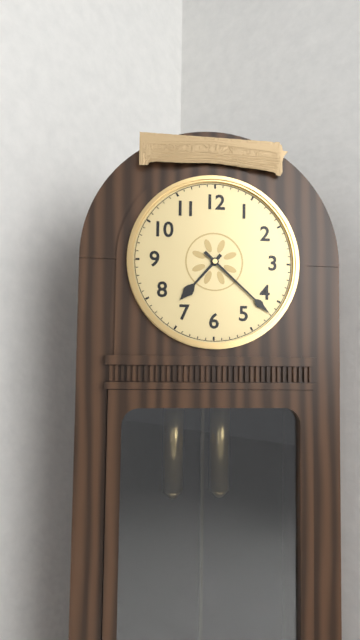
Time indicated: **7:22**
